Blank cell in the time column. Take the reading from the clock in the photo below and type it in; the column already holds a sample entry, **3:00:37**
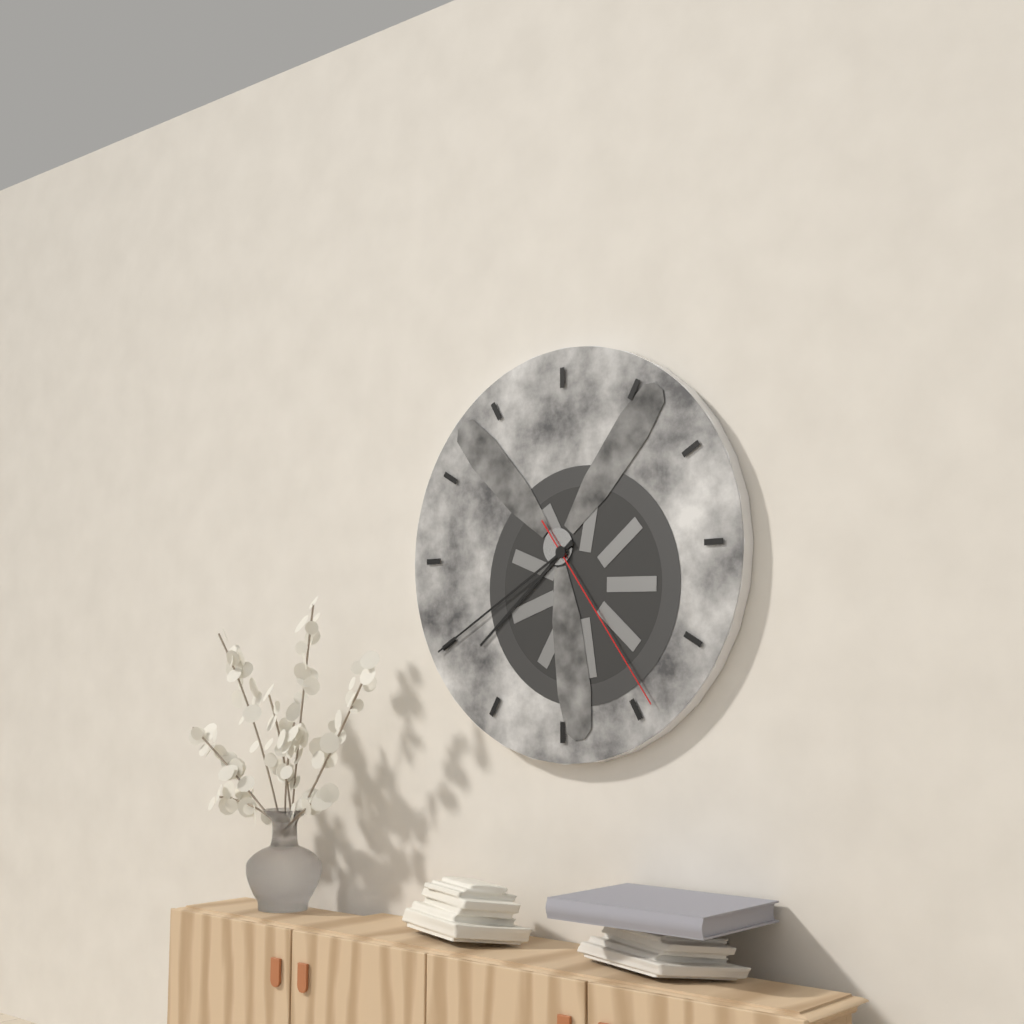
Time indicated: **7:40:24**
